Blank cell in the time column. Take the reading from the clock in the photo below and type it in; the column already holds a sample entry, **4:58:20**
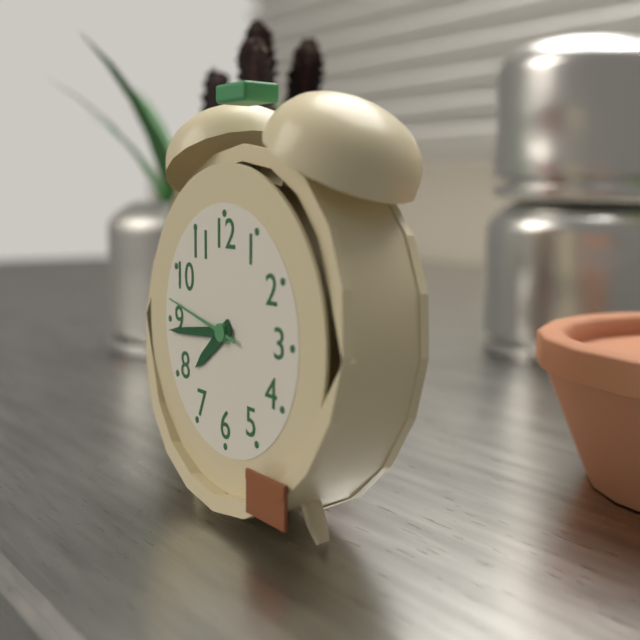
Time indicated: **7:44:47**
